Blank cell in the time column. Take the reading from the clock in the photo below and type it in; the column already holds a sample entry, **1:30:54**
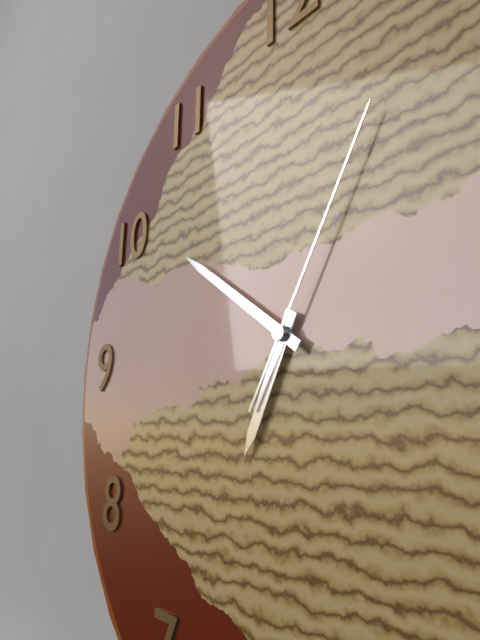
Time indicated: **6:51:05**
